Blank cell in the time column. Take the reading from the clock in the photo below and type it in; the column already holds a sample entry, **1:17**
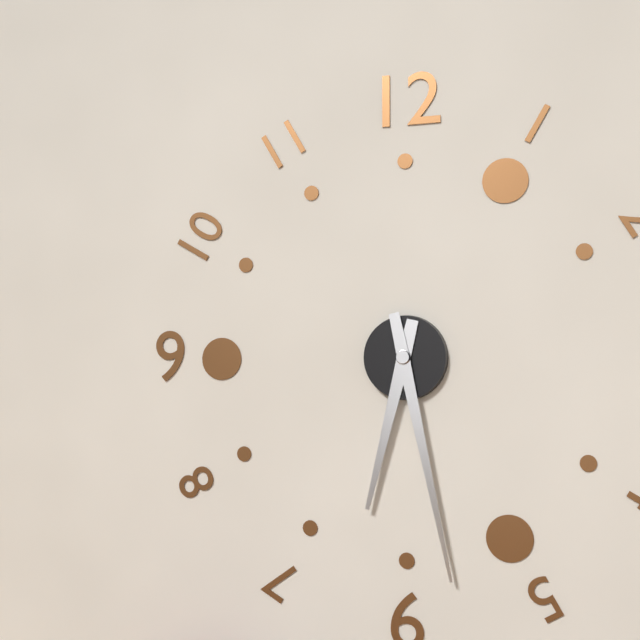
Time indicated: **6:28**
